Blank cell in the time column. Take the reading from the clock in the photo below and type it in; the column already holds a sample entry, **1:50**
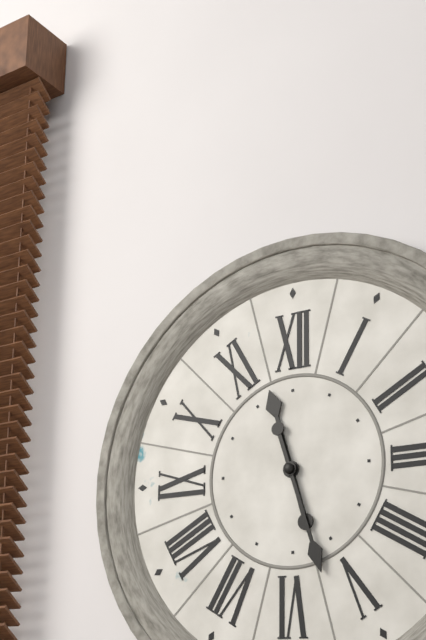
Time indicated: **11:27**
